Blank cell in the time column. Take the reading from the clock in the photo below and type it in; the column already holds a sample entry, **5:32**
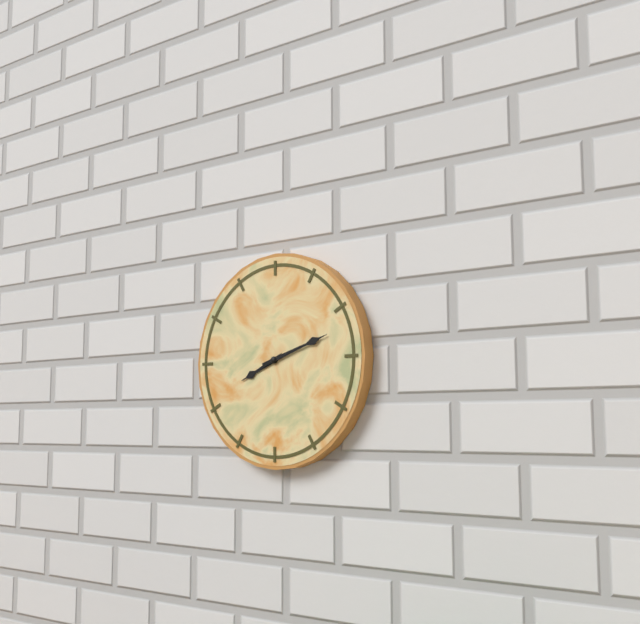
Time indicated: **8:12**
